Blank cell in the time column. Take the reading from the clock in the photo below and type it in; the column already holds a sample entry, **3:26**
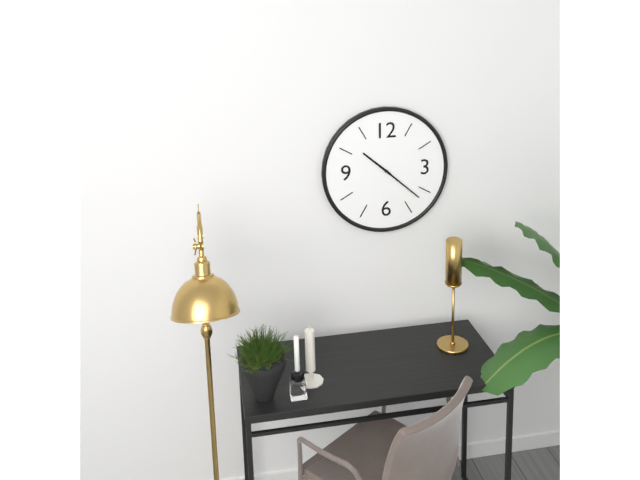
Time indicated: **10:22**
